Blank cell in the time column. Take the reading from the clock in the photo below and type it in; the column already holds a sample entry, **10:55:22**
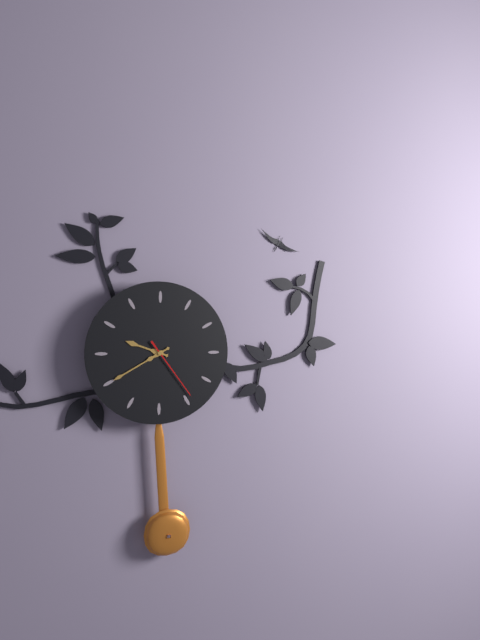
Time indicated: **9:40:24**
